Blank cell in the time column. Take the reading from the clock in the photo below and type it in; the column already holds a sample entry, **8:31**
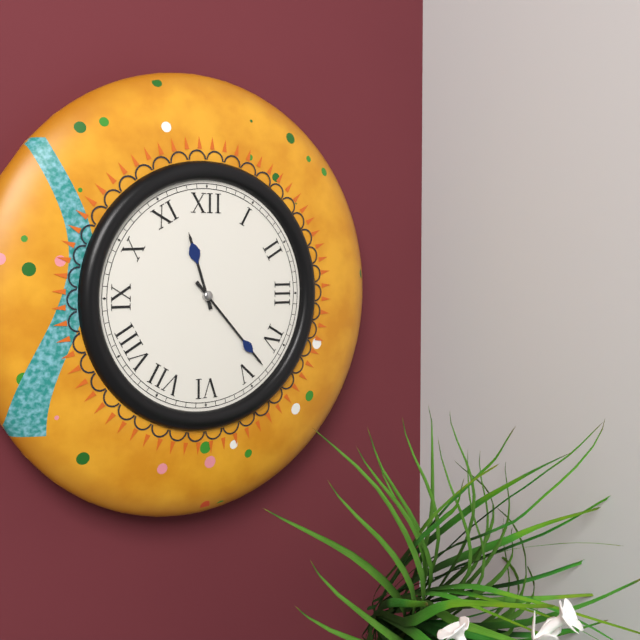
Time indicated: **11:23**
